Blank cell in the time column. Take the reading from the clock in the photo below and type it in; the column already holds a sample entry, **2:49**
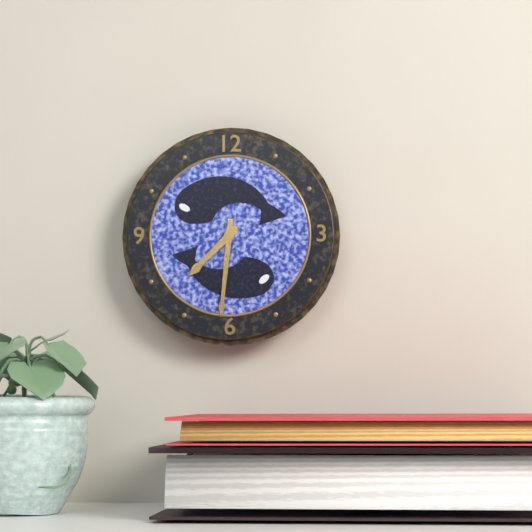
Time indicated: **7:31**
